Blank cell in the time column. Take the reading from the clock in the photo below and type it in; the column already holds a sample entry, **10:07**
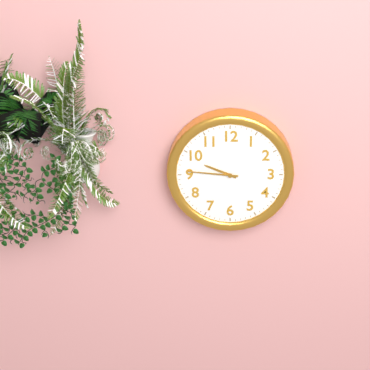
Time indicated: **9:46**
